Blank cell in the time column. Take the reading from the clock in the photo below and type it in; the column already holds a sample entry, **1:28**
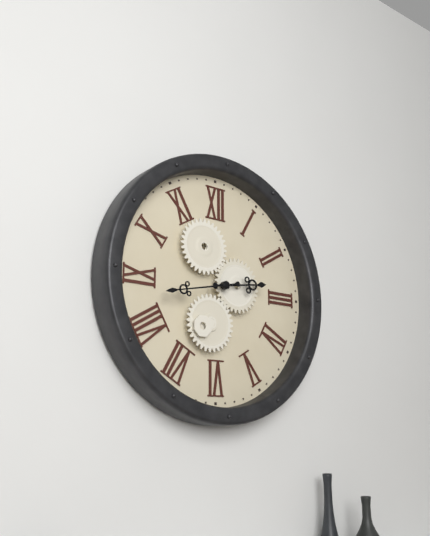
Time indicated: **2:43**
